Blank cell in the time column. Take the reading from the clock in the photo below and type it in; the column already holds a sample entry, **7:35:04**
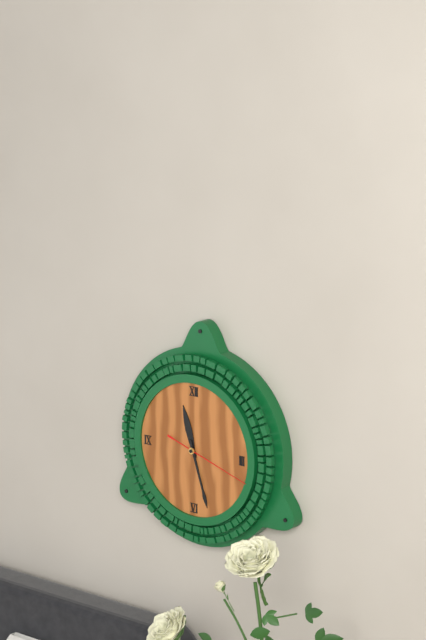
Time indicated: **11:27:18**
